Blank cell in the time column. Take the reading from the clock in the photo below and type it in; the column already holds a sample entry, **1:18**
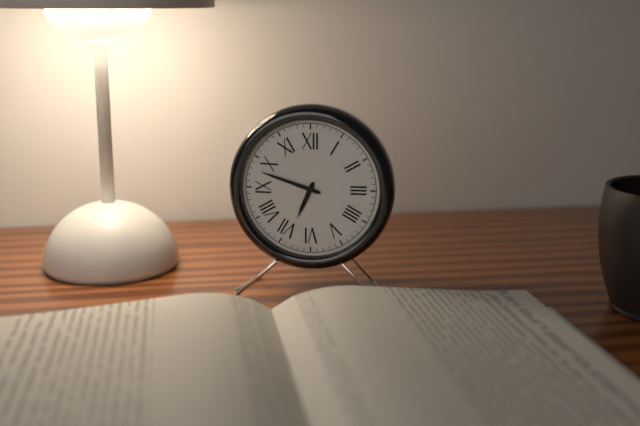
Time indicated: **6:48**
